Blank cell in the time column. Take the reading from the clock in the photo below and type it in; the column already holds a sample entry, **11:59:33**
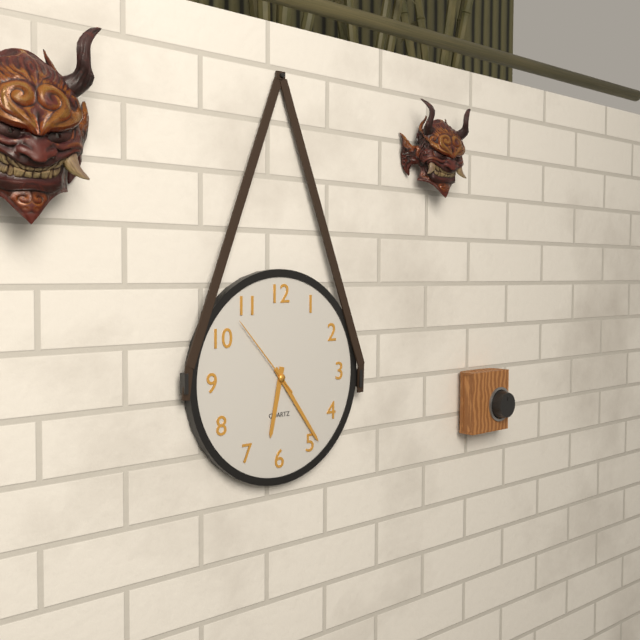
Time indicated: **6:24:53**
